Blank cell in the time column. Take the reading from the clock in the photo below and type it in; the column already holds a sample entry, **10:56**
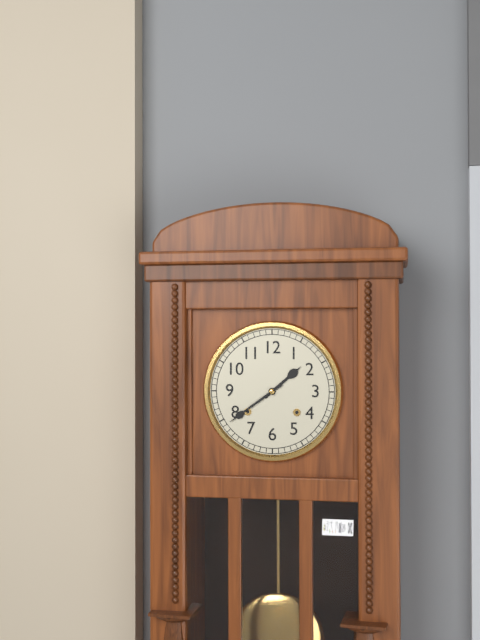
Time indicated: **1:39**
